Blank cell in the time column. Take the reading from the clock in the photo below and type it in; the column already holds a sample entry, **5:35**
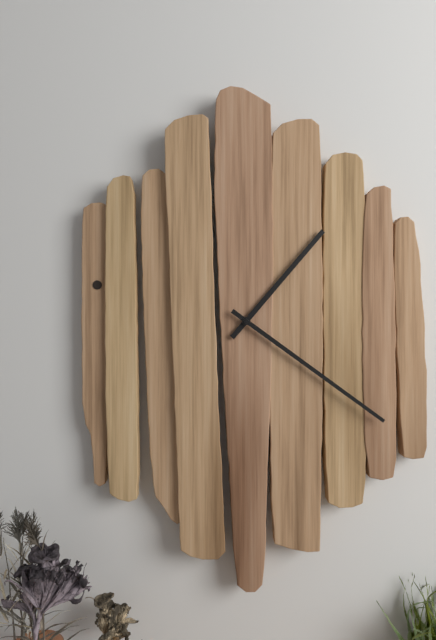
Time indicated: **1:21**
